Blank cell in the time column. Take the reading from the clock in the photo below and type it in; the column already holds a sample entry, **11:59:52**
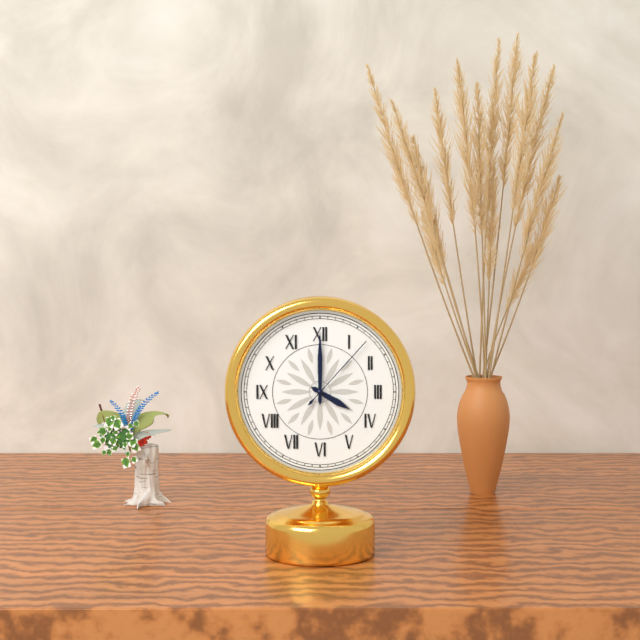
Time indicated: **4:00:07**
